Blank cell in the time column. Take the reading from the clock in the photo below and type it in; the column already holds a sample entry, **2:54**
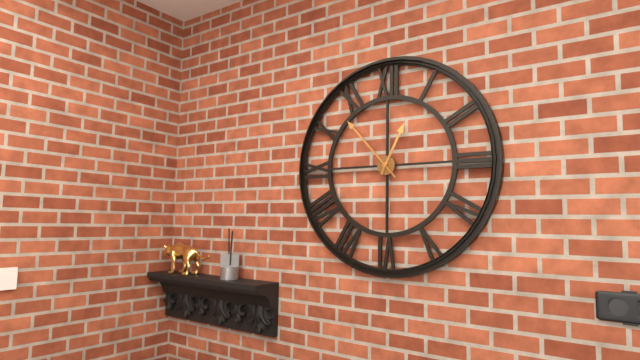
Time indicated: **12:53**
